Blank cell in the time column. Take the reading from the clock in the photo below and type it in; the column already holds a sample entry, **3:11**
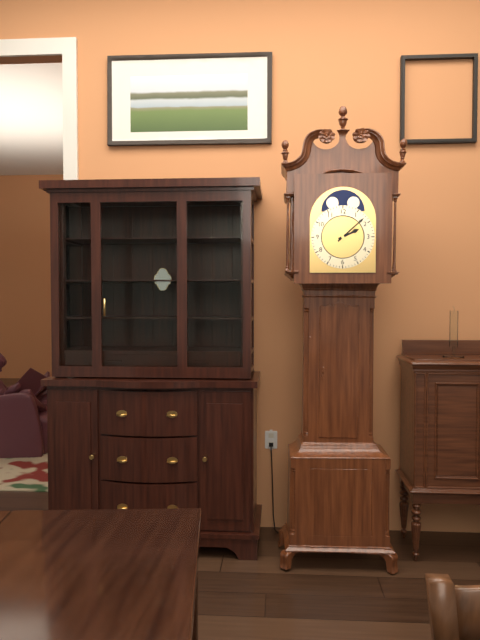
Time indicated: **2:08**
